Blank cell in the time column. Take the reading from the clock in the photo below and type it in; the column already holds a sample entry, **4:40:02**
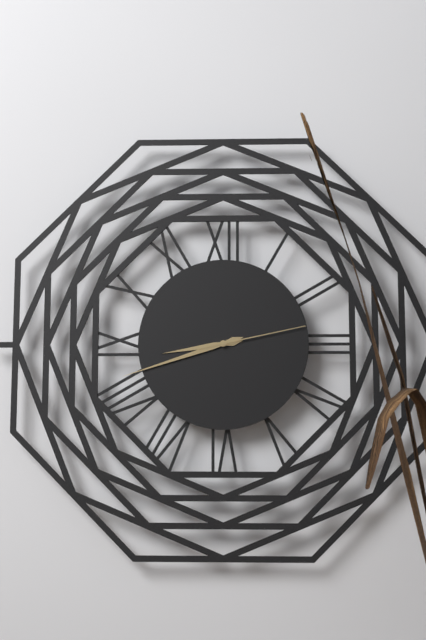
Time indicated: **8:42:13**
